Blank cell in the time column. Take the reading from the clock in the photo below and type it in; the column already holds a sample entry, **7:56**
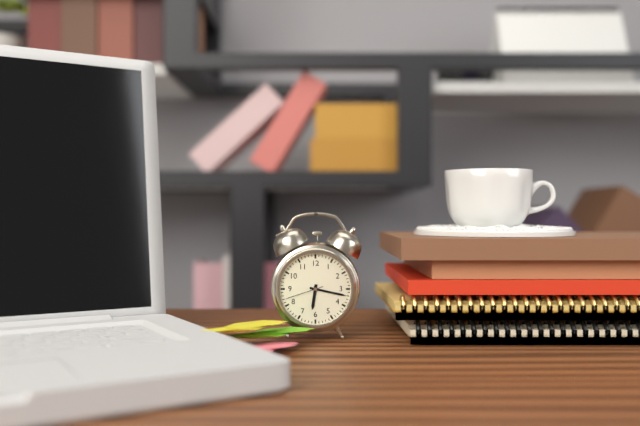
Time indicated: **6:17**
